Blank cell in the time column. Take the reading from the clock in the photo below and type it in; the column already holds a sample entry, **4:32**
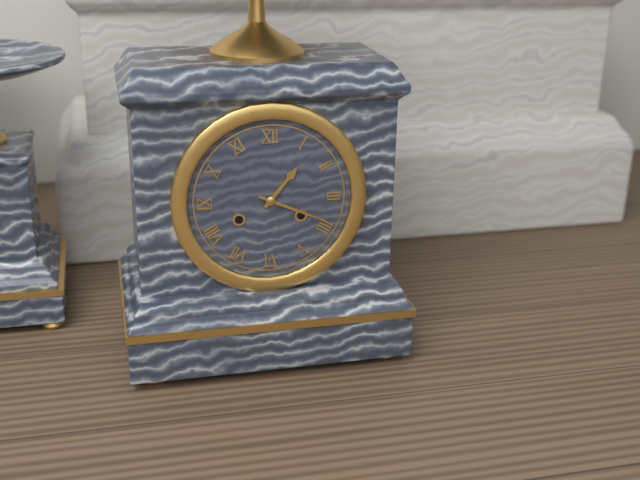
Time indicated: **1:19**
